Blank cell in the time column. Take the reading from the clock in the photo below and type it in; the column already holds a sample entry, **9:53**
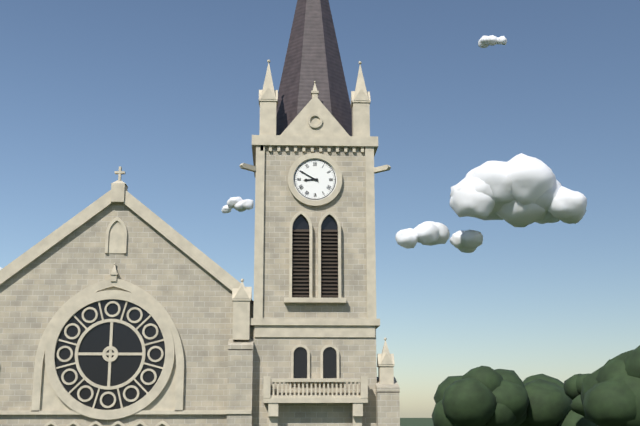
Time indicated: **8:50**
